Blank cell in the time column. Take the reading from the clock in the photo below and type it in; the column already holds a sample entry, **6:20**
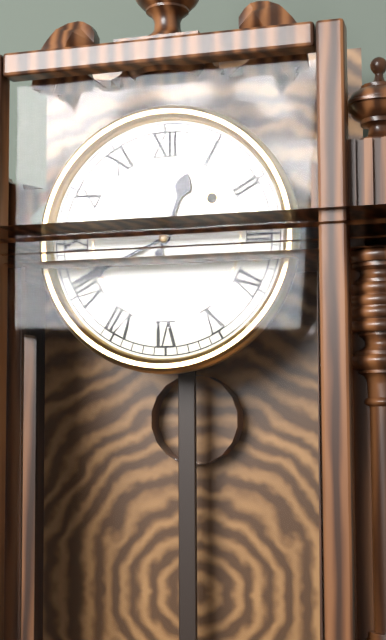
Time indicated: **12:41**
